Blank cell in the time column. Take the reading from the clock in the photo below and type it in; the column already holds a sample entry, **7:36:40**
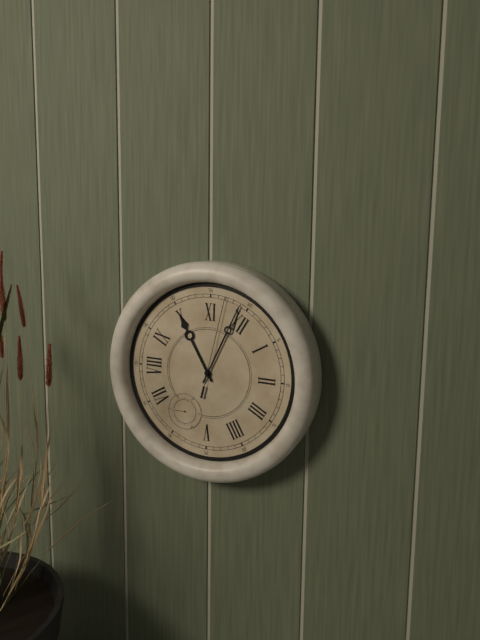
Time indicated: **9:59:57**
